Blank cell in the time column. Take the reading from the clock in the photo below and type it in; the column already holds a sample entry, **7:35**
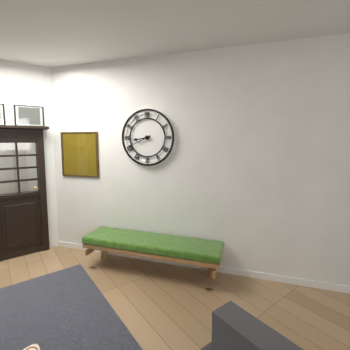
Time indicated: **8:41**
